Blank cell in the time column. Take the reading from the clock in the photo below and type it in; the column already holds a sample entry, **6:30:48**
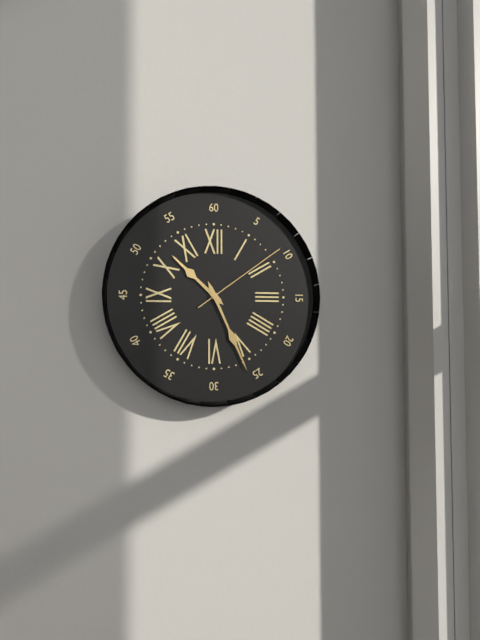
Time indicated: **10:26:09**
